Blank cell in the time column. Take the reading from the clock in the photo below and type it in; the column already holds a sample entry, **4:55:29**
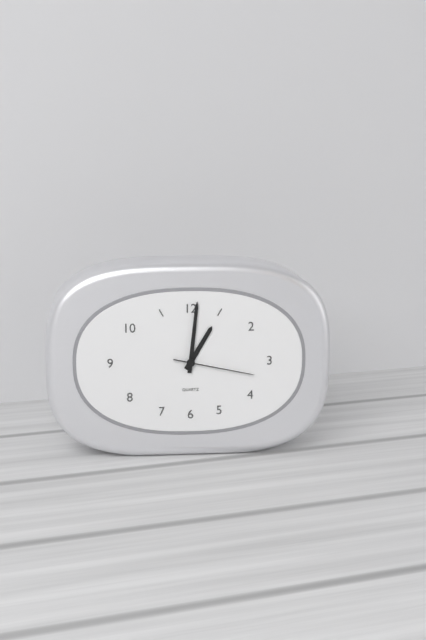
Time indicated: **1:01:17**
